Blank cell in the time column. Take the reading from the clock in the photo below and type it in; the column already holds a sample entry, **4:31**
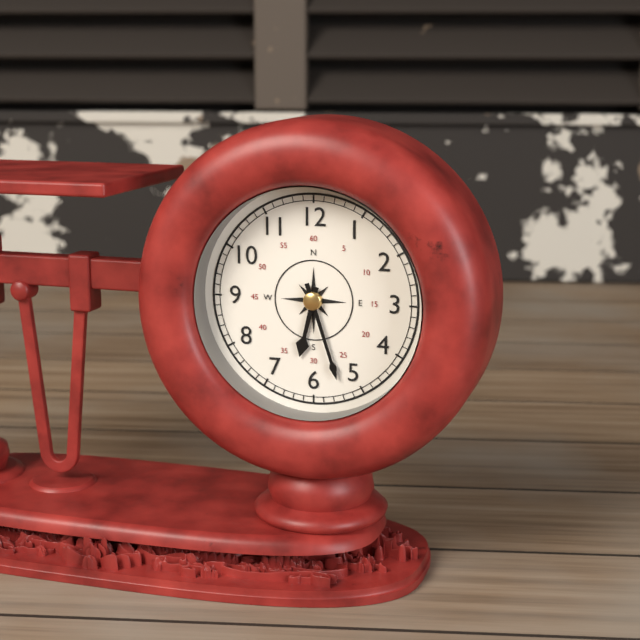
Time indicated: **6:27**
